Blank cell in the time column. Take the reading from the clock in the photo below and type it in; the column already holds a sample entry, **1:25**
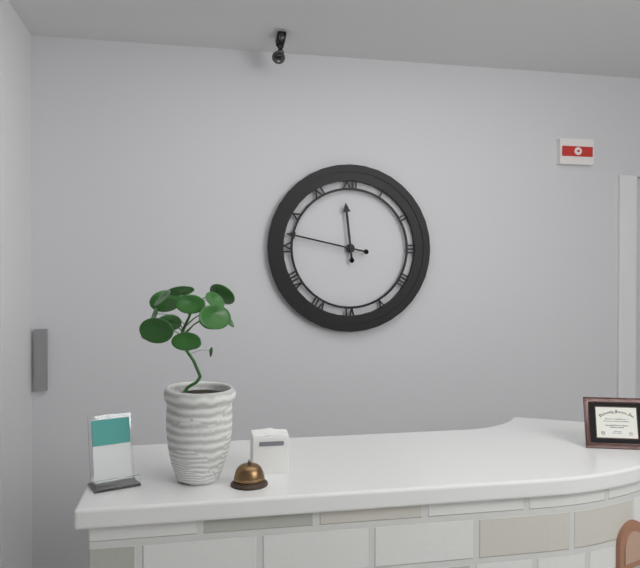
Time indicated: **11:47**
